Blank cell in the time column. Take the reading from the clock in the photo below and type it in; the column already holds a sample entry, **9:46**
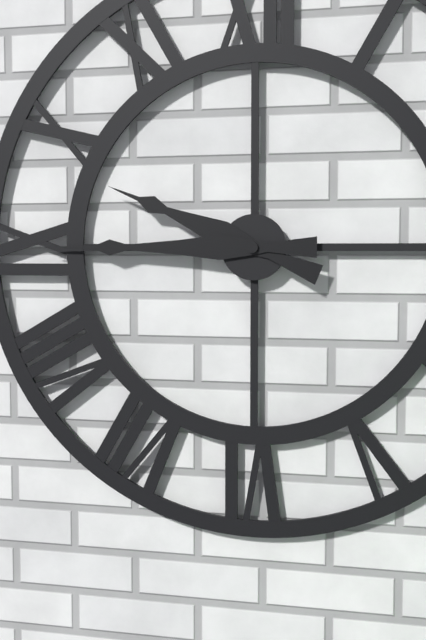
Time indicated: **9:45**
